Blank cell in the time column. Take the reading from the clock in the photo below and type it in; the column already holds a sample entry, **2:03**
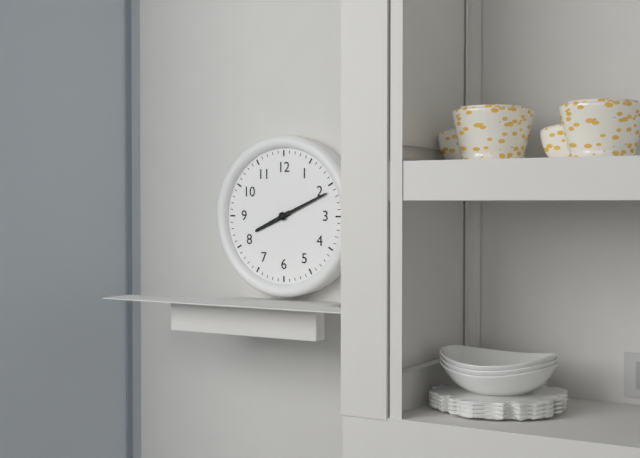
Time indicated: **8:11**
